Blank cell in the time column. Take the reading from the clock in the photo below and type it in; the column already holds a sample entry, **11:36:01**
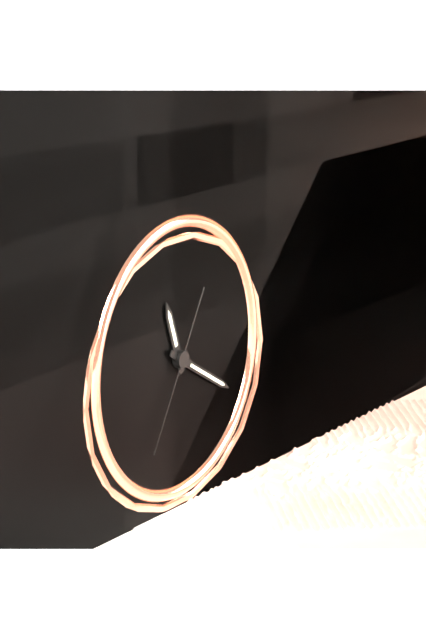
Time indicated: **11:20:35**
